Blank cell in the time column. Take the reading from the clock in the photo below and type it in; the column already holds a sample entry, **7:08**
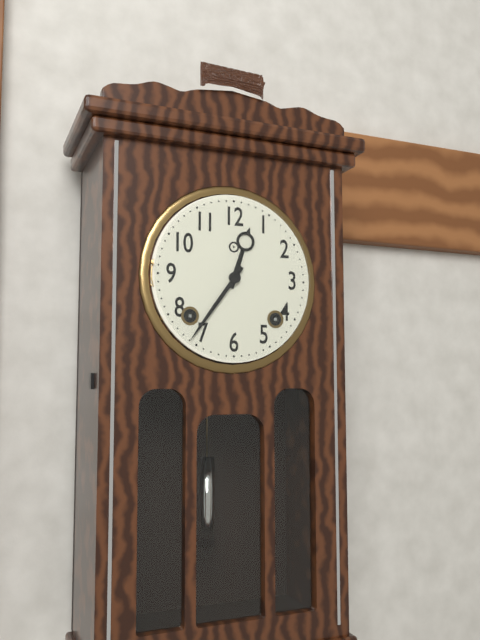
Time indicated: **12:36**
